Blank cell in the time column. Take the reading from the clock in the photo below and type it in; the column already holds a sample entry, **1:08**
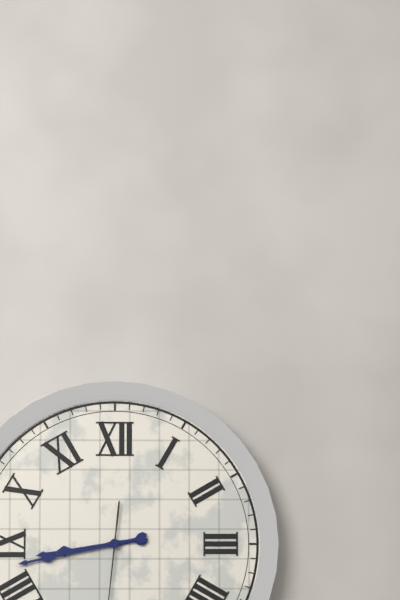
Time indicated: **8:43**
